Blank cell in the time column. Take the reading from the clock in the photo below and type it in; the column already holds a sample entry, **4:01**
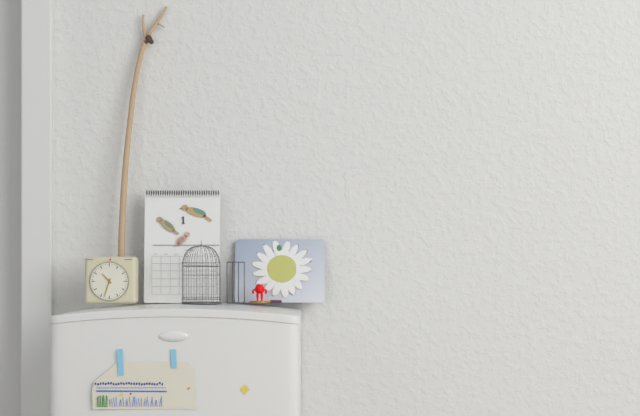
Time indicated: **10:33**
